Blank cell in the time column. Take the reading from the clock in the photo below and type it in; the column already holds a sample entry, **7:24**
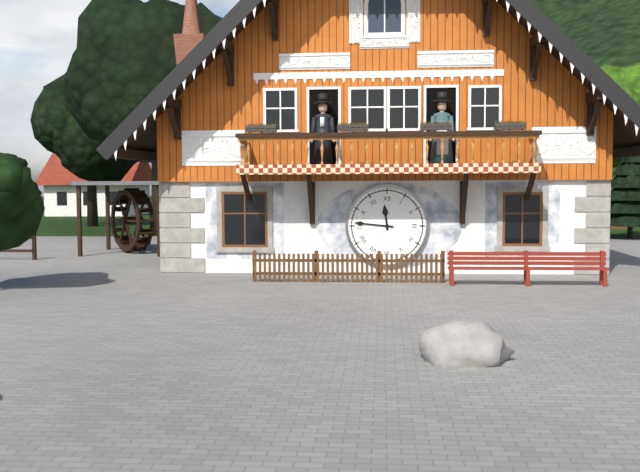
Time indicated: **11:46**
